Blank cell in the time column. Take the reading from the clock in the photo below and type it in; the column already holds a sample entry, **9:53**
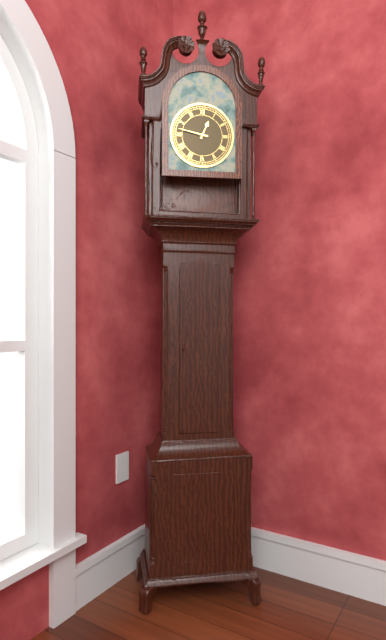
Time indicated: **12:47**
